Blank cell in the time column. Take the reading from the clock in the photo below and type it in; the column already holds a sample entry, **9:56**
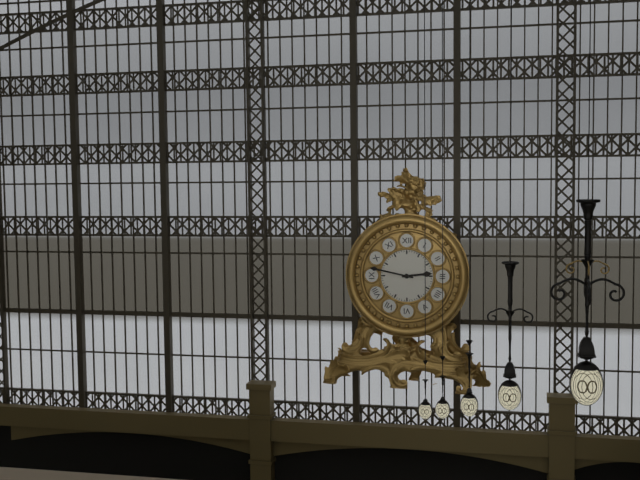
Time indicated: **2:47**
